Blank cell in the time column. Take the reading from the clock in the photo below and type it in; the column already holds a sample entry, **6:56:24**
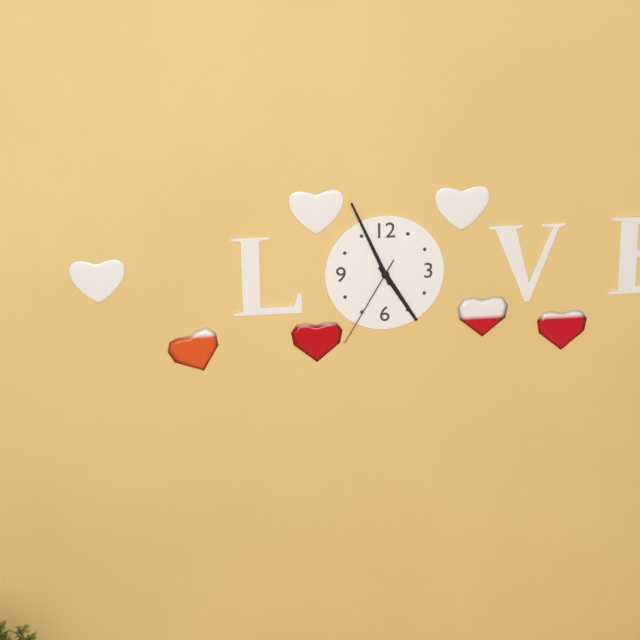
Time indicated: **4:56:35**
